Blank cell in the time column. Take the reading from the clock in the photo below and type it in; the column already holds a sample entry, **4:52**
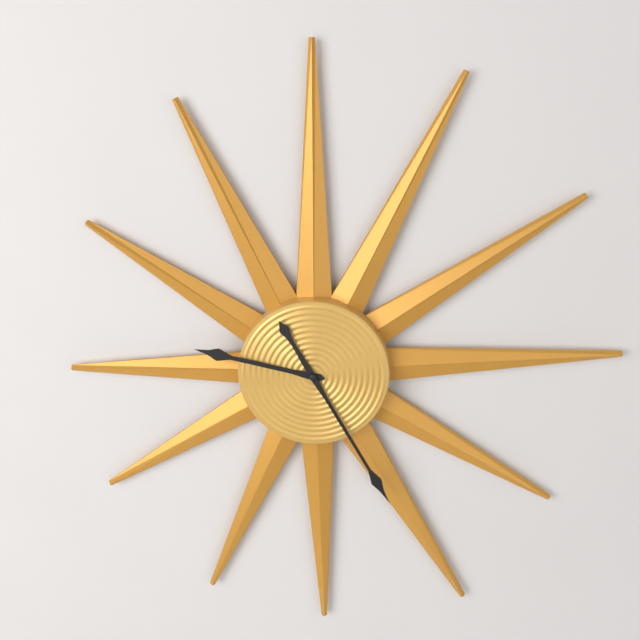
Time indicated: **9:25**
